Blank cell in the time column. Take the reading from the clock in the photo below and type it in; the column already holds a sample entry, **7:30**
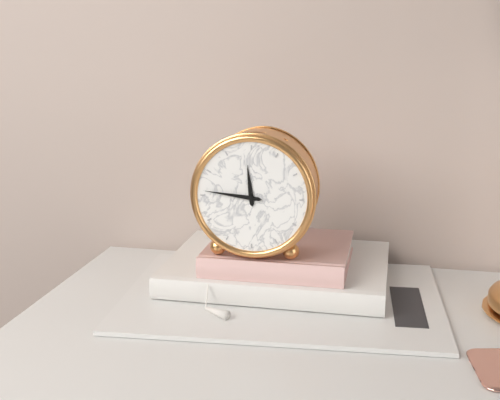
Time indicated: **11:46**
